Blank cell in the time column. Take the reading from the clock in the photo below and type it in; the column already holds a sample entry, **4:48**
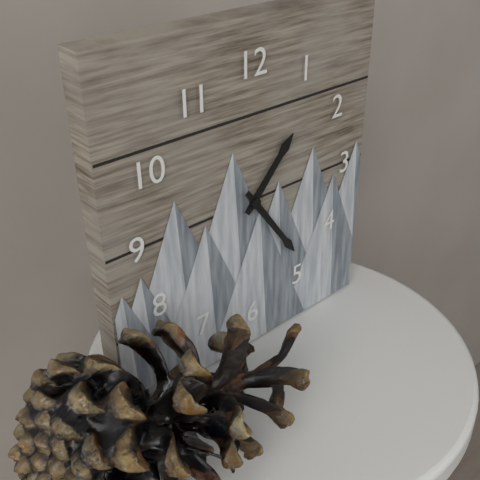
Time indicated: **1:24**
